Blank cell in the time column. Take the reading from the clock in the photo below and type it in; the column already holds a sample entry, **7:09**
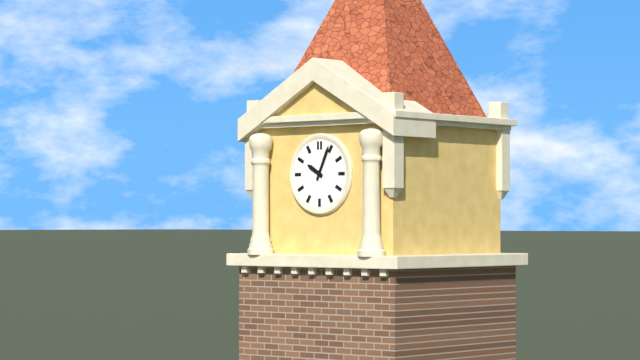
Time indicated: **10:04**
